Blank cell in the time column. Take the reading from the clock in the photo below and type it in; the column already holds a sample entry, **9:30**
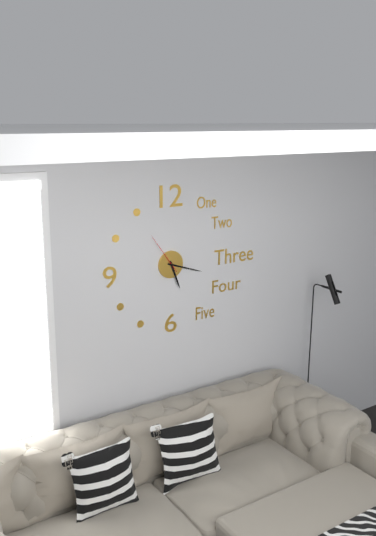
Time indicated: **5:18**
